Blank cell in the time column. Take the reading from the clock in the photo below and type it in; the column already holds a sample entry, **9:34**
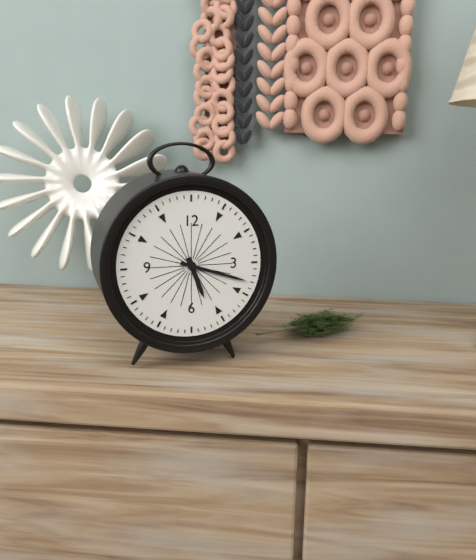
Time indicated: **5:18**
